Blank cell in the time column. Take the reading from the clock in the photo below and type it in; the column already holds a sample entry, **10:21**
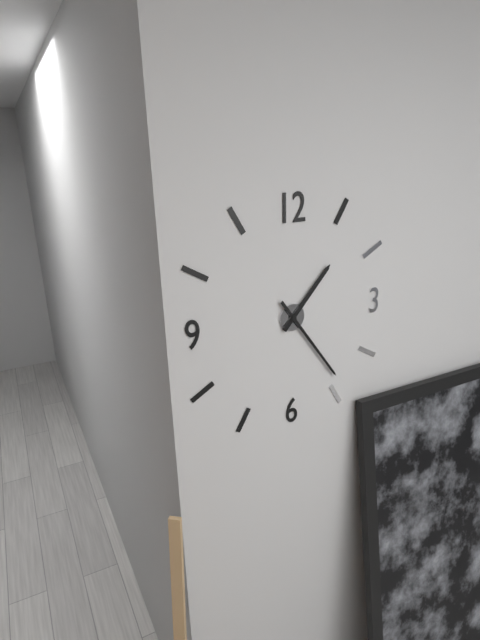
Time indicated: **1:24**
